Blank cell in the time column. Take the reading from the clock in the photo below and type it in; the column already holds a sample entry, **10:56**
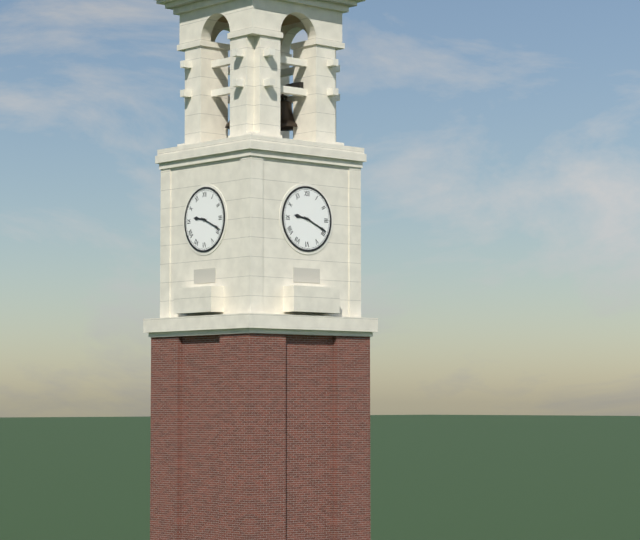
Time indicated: **9:19**
